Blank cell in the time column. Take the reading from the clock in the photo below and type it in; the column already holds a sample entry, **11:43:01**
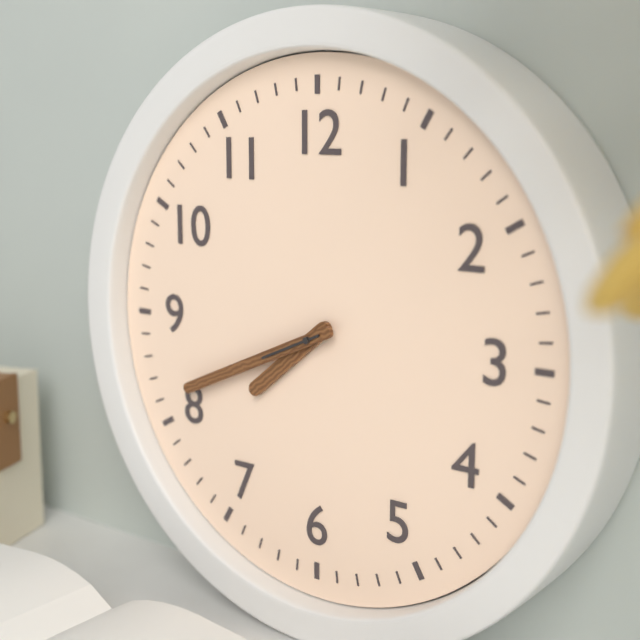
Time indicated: **7:41:41**
